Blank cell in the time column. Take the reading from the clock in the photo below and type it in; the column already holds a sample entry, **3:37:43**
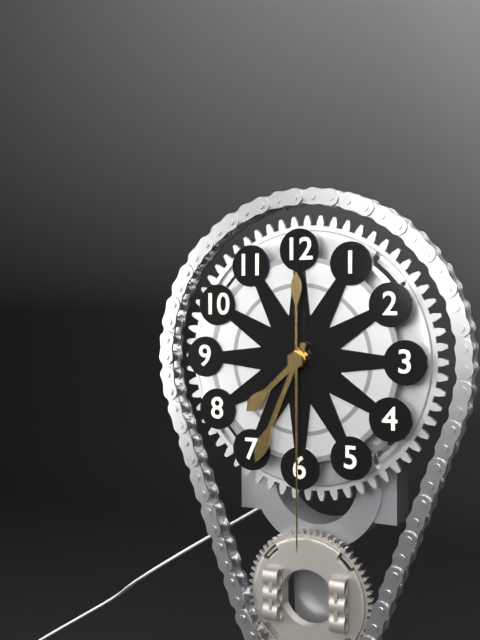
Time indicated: **7:34:30**
